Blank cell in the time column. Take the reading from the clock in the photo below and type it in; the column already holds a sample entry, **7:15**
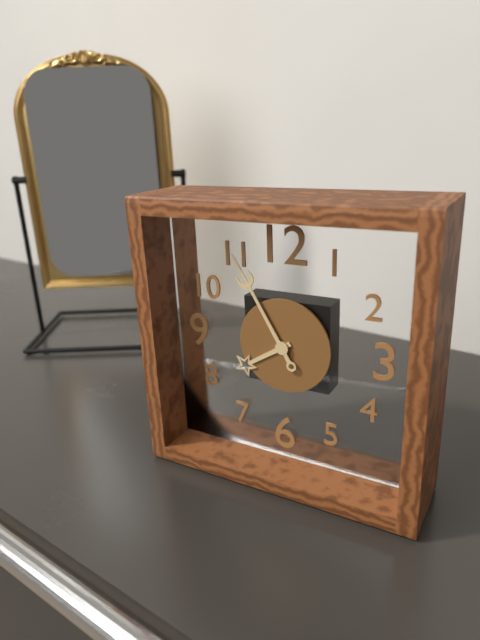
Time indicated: **7:55**
